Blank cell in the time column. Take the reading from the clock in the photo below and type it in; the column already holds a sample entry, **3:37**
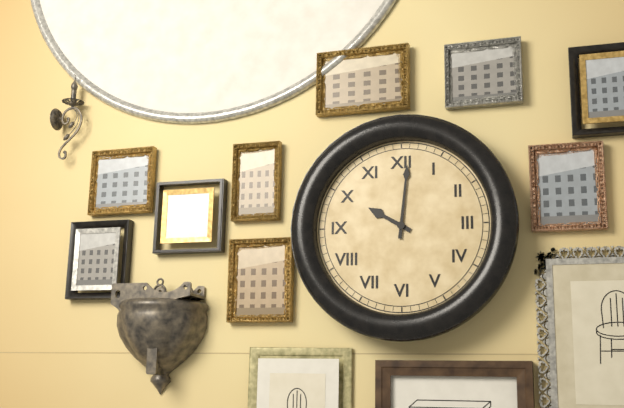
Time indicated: **10:01**
